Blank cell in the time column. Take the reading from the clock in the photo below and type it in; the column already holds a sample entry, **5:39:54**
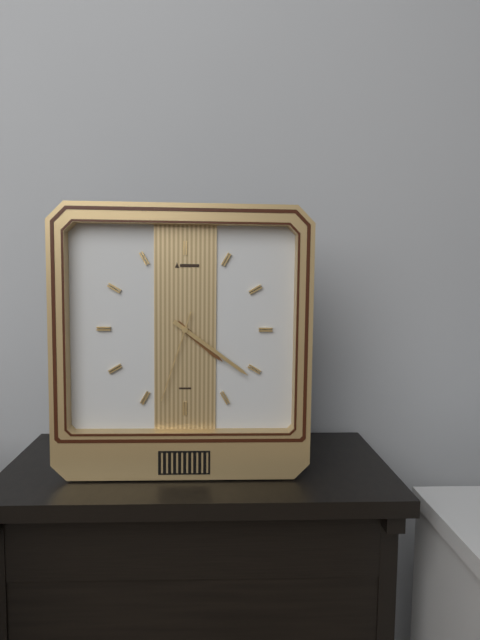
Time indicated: **4:21:33**
